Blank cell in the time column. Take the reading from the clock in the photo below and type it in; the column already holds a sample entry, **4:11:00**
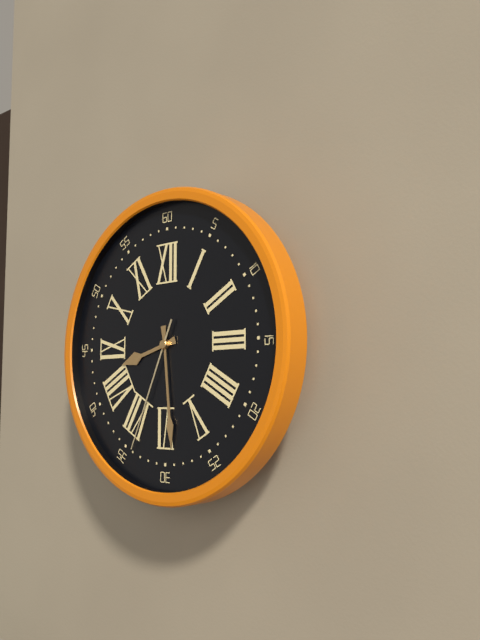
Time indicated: **8:29:34**
